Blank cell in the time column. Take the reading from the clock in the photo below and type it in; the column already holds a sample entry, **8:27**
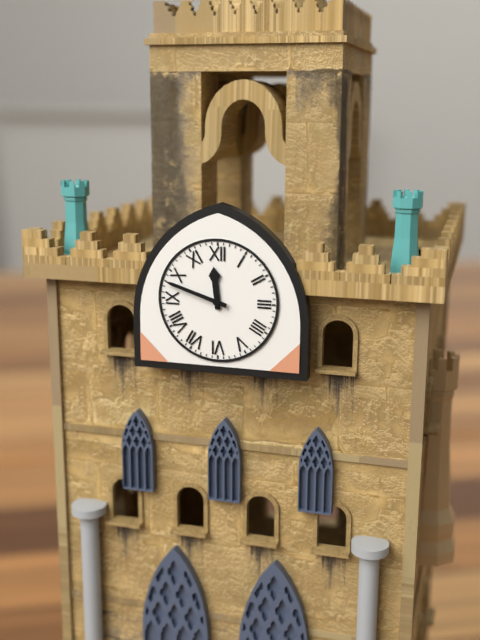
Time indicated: **11:48**
